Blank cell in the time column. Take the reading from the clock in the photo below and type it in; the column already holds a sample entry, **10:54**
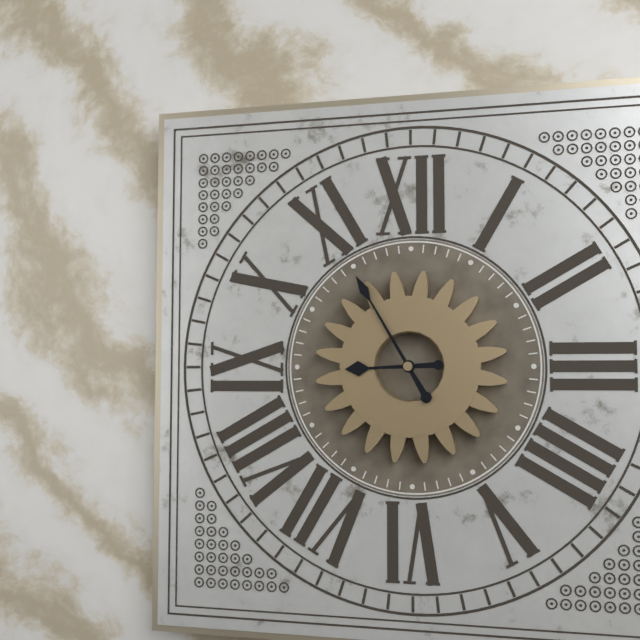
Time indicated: **8:55**
